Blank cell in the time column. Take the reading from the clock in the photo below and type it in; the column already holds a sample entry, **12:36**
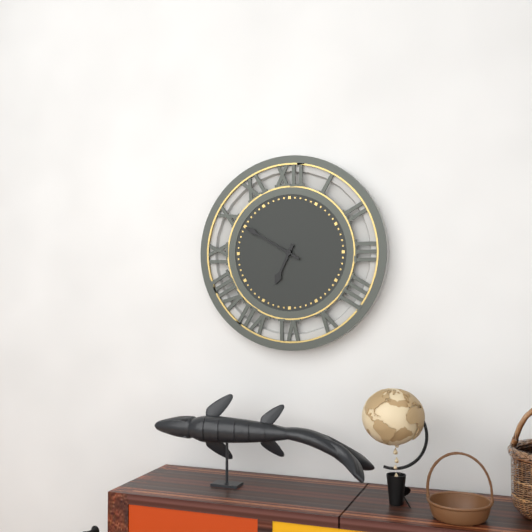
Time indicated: **6:50**
